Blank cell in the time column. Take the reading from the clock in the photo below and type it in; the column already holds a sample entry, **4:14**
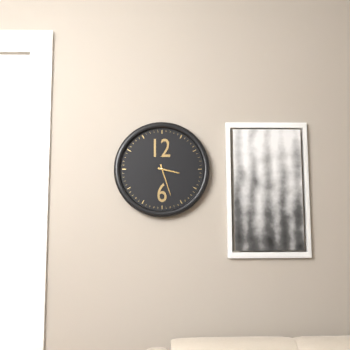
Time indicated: **3:27**
